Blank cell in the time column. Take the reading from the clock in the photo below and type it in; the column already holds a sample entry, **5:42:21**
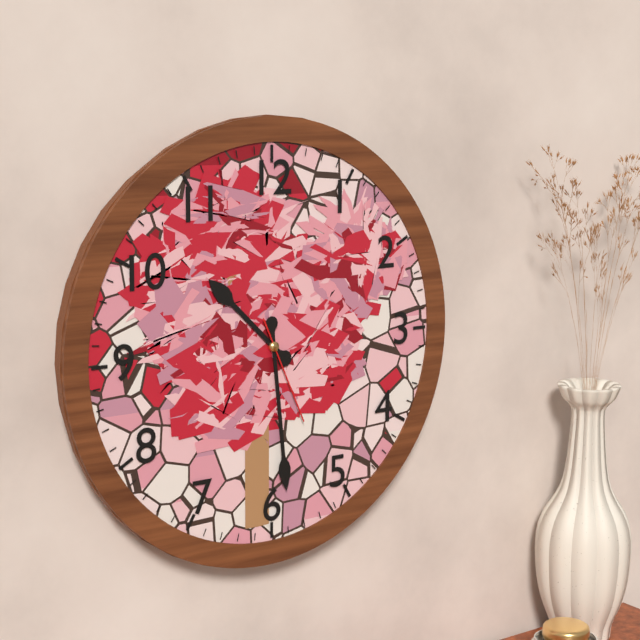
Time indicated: **10:29:26**
